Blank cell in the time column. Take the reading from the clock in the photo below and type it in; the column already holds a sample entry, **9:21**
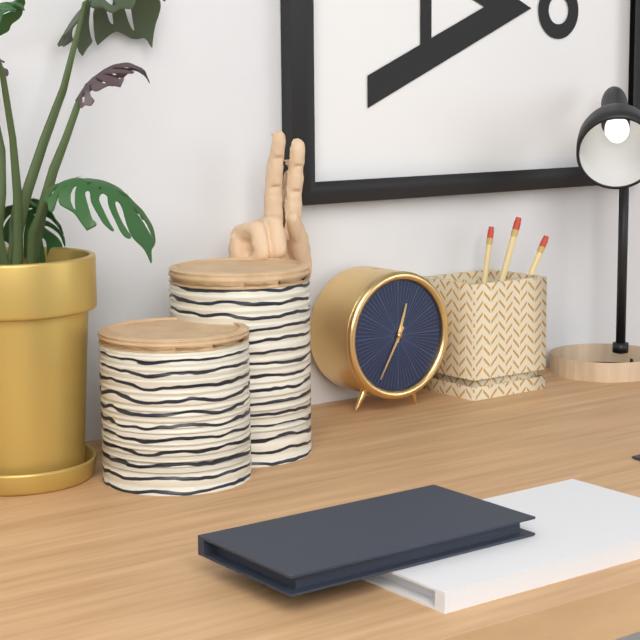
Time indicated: **12:35**
